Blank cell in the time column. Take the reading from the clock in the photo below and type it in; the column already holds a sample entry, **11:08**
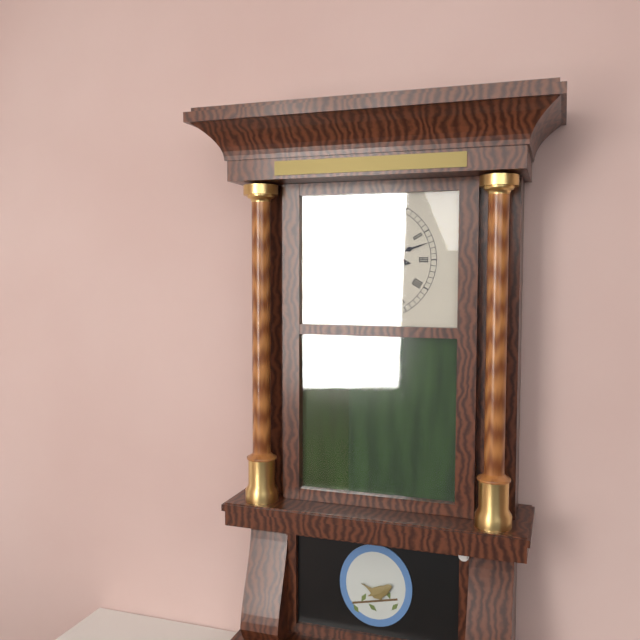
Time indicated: **3:12**
